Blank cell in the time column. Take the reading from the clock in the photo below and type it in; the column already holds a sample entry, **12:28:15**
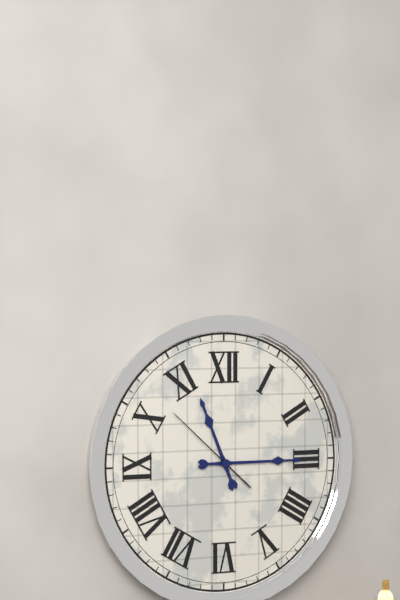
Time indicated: **11:15:52**
